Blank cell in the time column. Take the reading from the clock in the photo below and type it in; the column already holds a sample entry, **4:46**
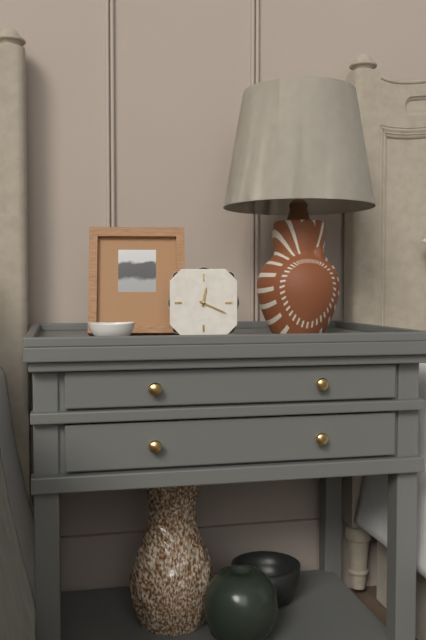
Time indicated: **12:19**
